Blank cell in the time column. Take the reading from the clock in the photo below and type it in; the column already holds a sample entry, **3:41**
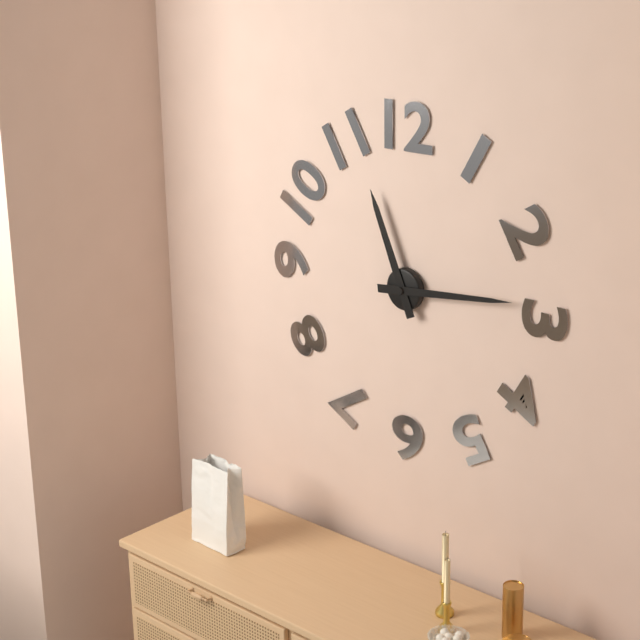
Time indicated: **11:14**
